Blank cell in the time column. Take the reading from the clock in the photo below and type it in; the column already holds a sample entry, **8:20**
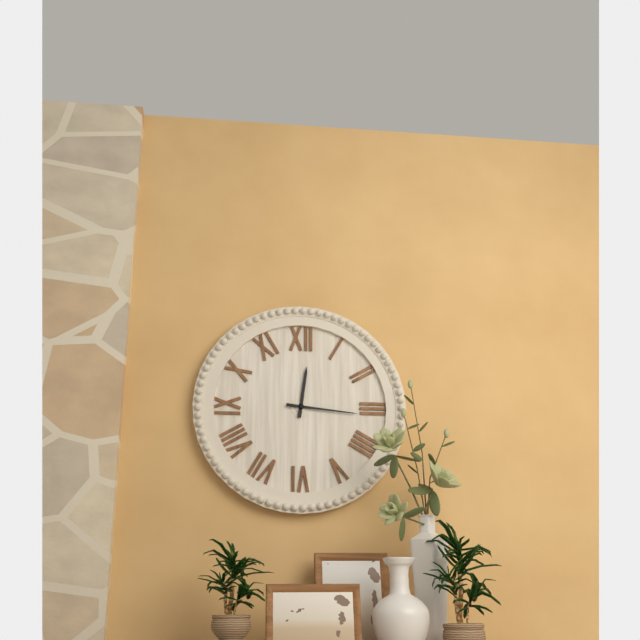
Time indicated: **12:16**
